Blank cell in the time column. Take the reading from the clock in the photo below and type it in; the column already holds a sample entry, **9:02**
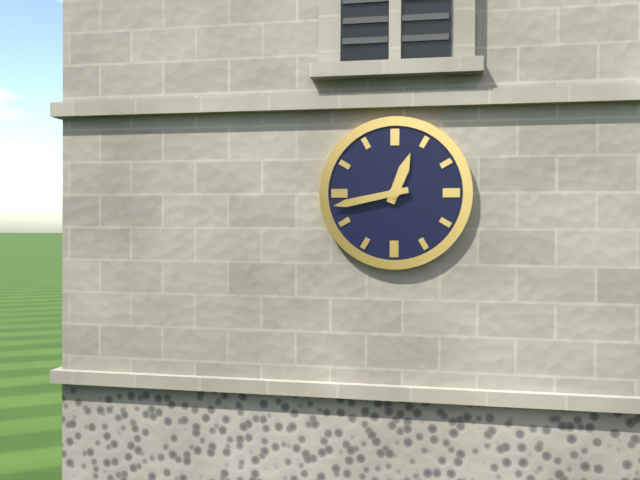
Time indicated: **12:43**
